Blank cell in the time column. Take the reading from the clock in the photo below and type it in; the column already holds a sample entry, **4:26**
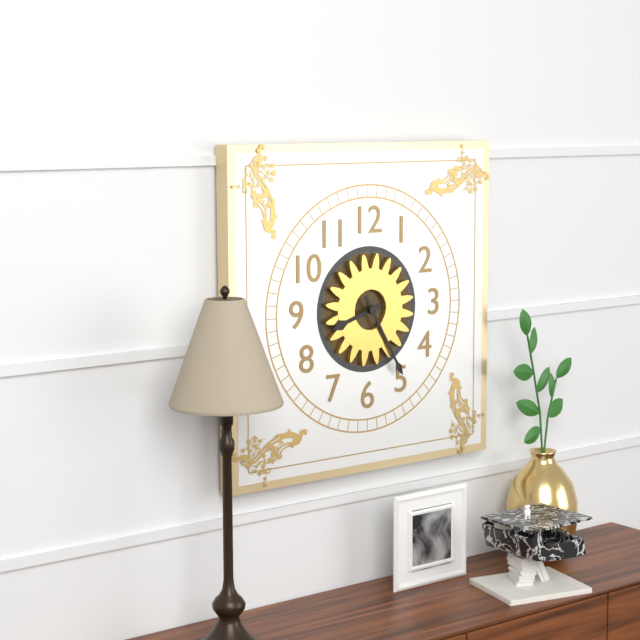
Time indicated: **8:25**
